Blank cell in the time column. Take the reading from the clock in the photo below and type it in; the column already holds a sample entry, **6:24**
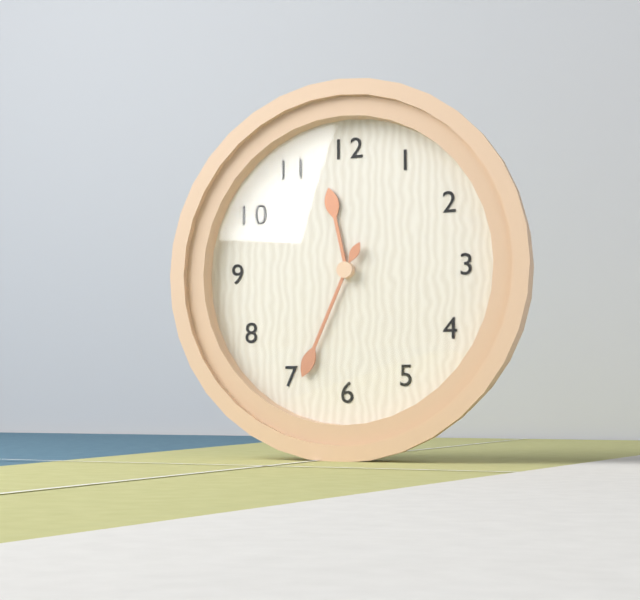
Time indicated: **11:34**
